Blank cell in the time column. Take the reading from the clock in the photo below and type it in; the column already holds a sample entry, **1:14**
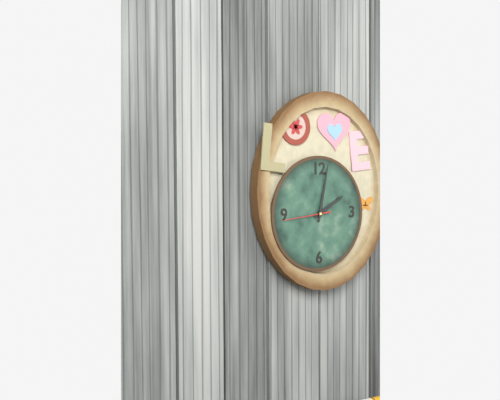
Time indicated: **2:02**
